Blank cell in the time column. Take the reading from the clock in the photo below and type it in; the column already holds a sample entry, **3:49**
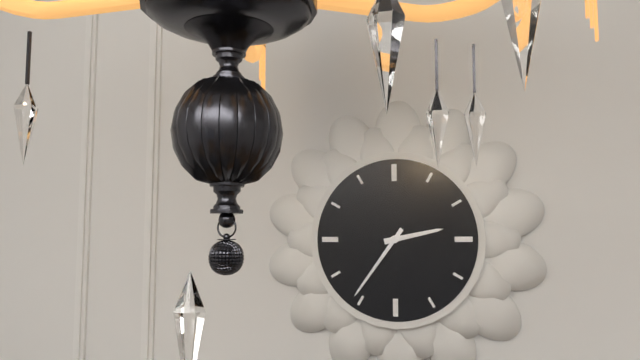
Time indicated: **2:36**
